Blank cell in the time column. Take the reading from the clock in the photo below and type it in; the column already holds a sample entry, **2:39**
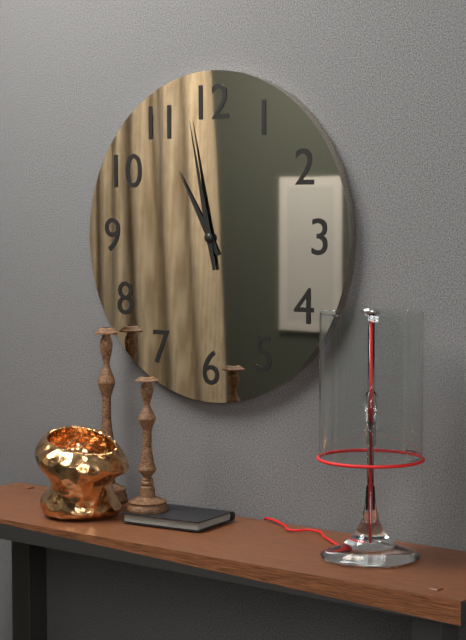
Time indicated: **10:58**
